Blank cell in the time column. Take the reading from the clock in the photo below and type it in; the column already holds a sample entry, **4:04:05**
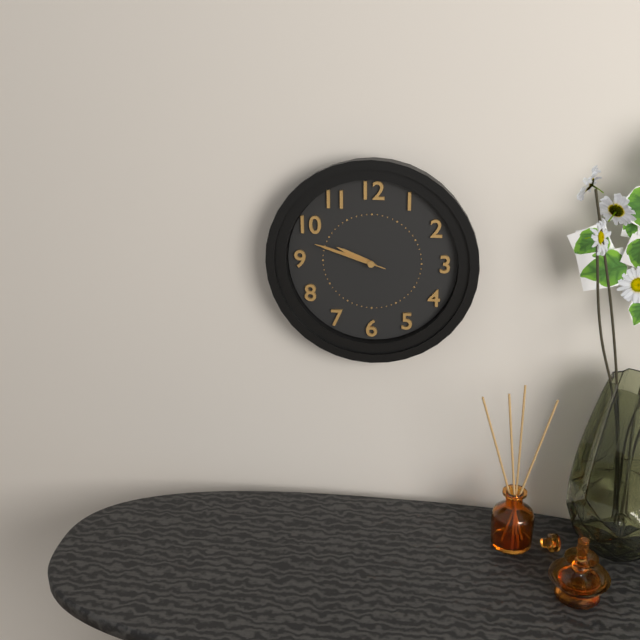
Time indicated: **9:48:48**
